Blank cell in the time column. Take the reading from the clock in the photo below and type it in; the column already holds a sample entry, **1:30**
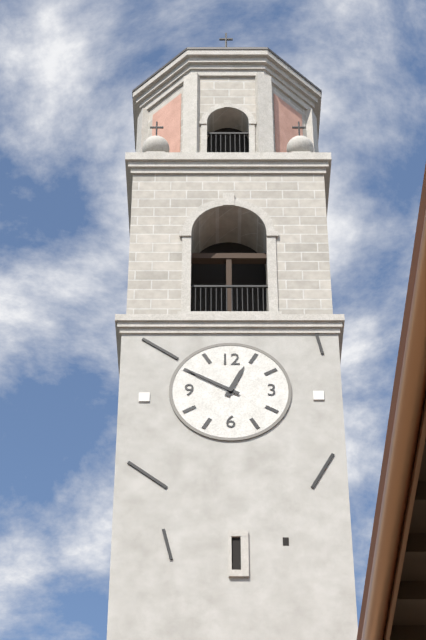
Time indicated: **12:50**
